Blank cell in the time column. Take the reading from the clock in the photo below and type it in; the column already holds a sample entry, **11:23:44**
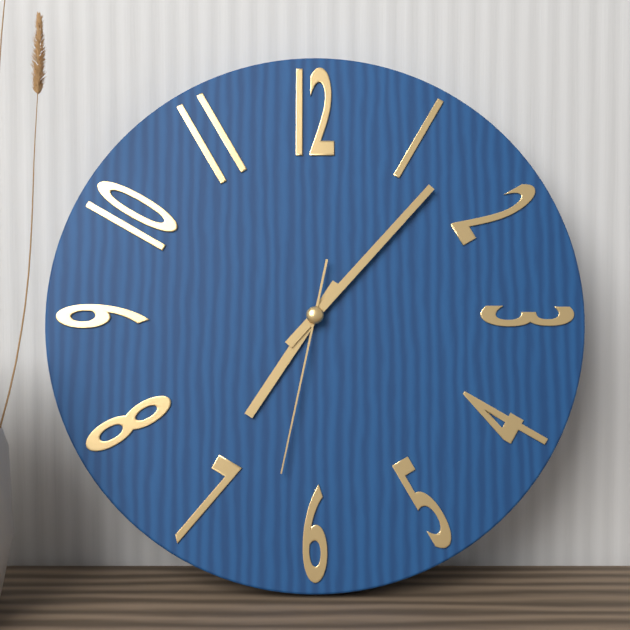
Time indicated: **7:07:32**
